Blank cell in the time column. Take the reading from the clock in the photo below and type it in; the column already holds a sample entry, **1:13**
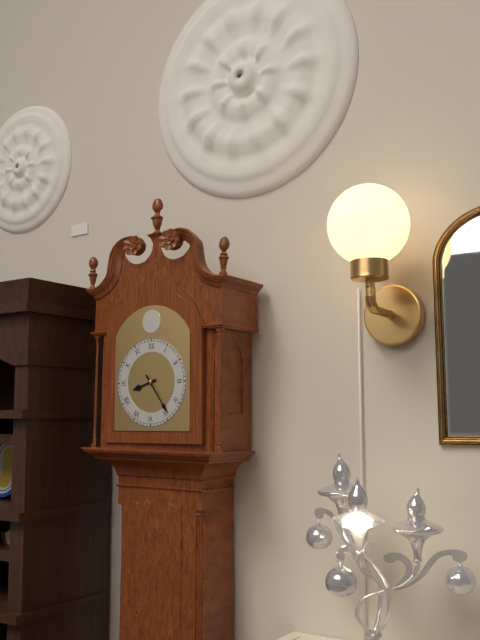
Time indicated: **8:24**
